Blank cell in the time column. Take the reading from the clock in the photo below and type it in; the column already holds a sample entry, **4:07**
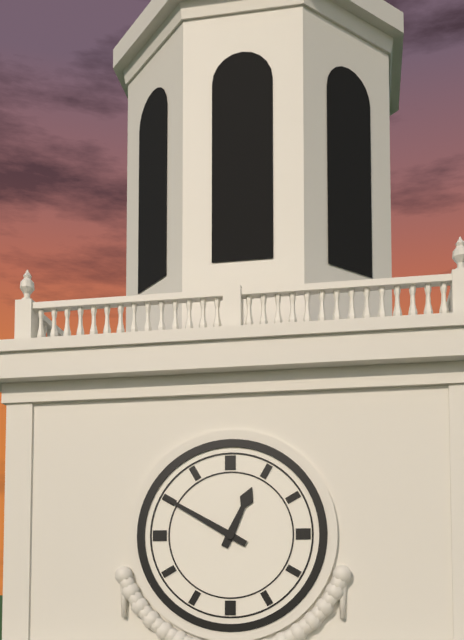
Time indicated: **12:50**
